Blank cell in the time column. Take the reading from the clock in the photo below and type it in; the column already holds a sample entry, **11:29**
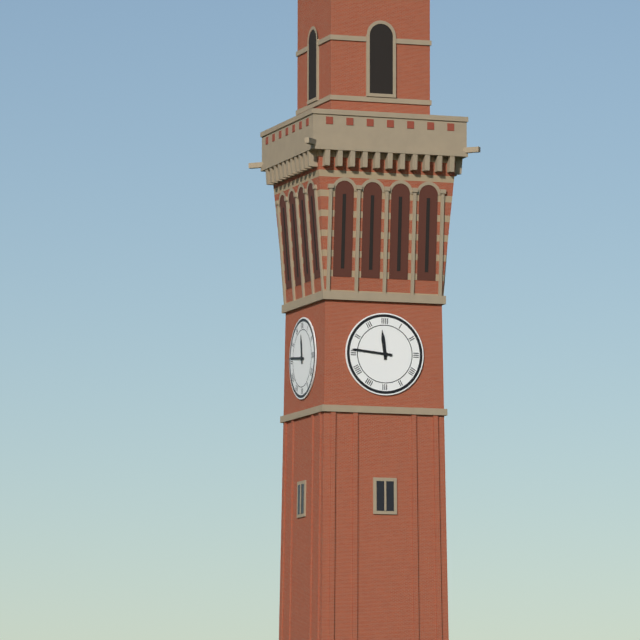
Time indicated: **11:46**
